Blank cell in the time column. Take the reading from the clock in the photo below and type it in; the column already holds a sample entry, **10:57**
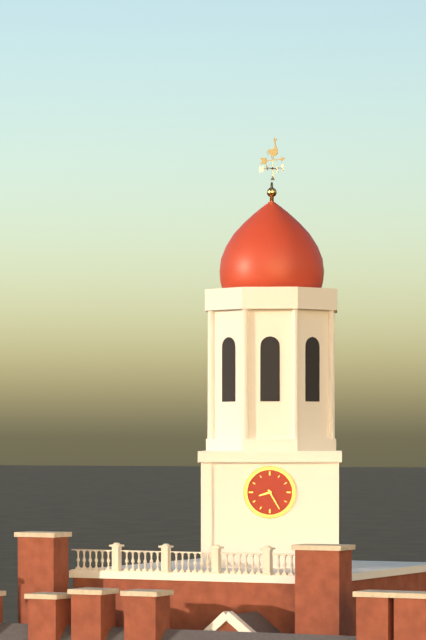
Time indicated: **8:25**
